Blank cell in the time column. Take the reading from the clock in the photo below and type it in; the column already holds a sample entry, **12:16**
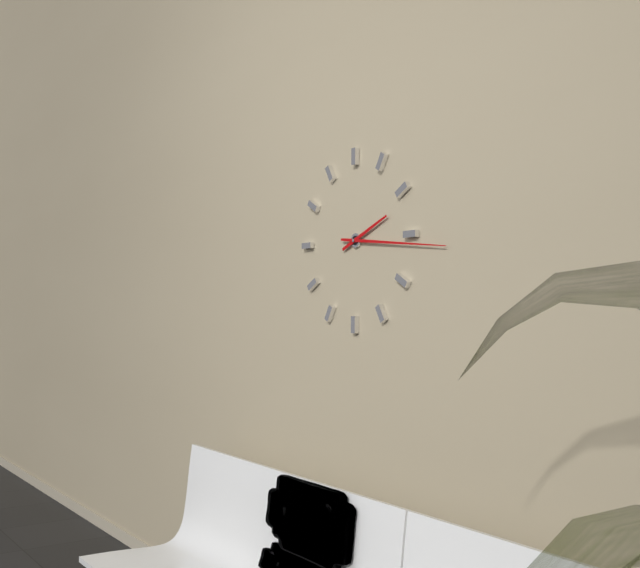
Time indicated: **2:16**
